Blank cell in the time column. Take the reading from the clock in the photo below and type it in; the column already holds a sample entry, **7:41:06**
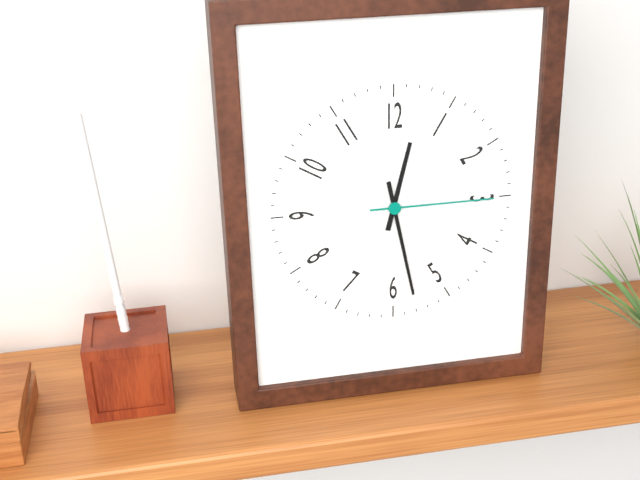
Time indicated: **12:28:15**
